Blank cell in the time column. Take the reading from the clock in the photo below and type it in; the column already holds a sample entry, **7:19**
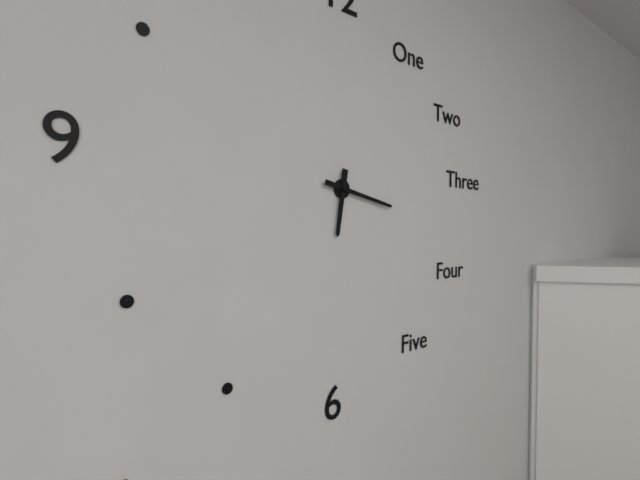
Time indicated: **6:17**
